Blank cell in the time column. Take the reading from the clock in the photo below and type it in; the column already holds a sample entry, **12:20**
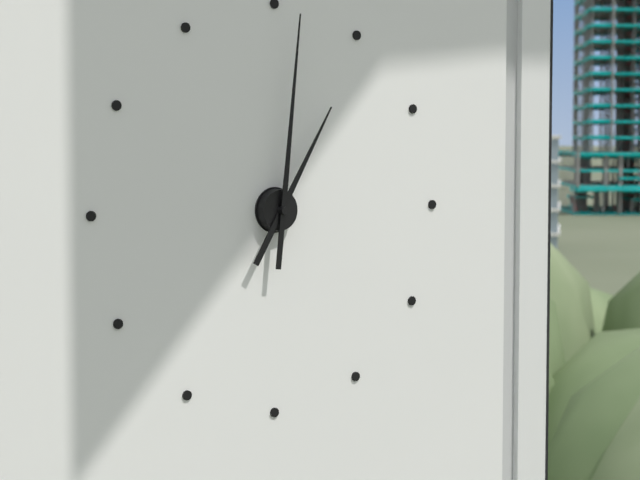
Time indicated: **1:01**
